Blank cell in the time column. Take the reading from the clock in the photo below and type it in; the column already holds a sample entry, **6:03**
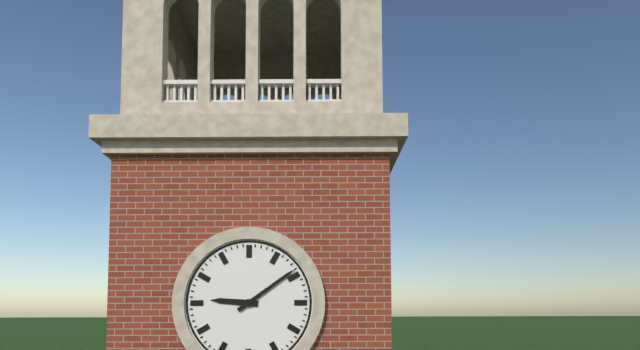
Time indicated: **9:09**
